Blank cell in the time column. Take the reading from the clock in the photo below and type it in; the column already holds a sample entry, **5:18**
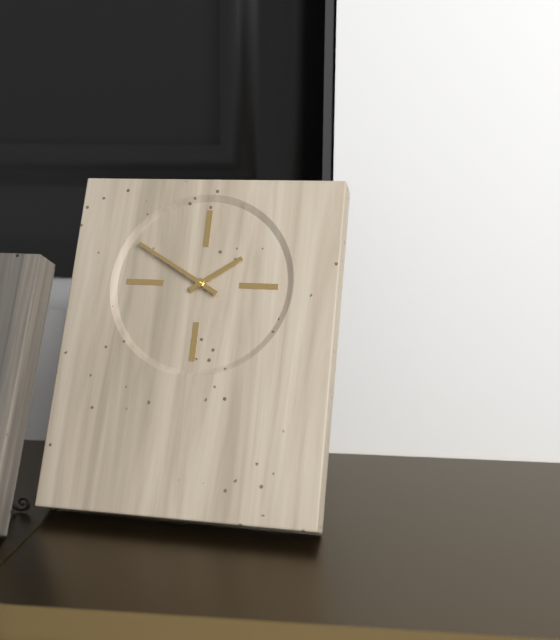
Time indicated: **1:50**
